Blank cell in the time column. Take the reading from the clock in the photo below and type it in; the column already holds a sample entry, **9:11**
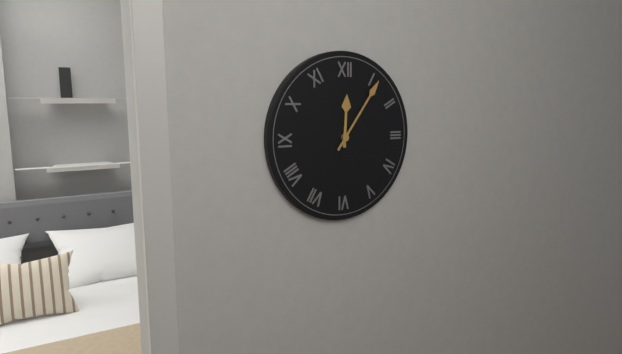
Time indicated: **12:06**
